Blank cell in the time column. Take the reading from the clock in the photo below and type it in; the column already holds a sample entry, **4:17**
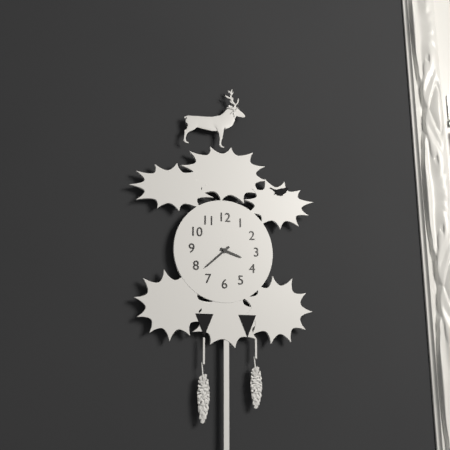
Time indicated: **3:38**
